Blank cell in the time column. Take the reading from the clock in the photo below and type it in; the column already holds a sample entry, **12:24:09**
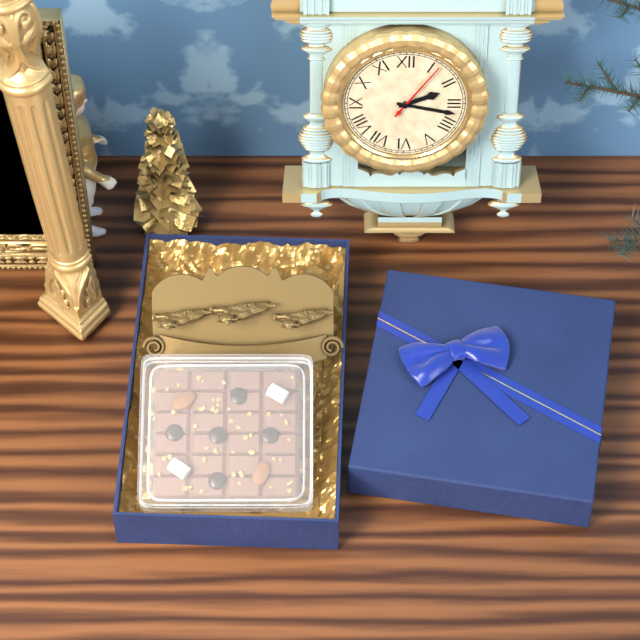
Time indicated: **2:17:06**
